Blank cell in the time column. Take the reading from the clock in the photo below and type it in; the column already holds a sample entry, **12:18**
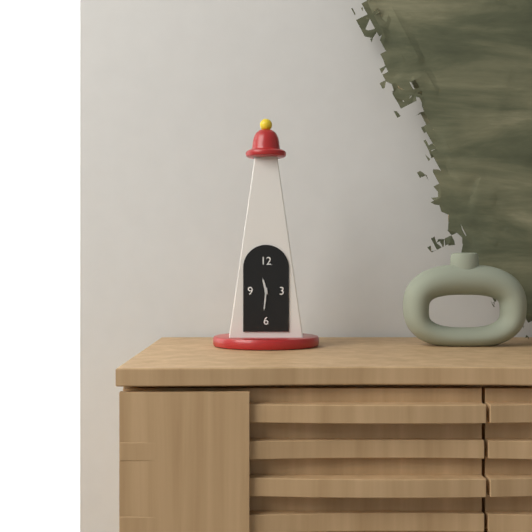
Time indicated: **11:31**
